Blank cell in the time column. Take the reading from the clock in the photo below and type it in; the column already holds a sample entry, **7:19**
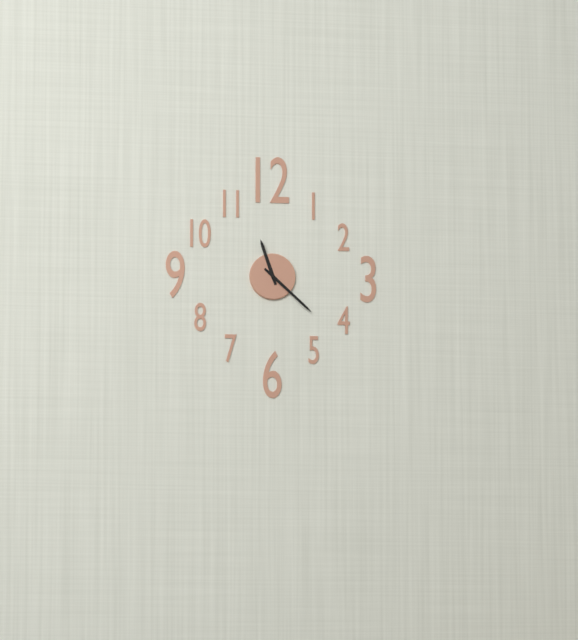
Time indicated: **11:22**
